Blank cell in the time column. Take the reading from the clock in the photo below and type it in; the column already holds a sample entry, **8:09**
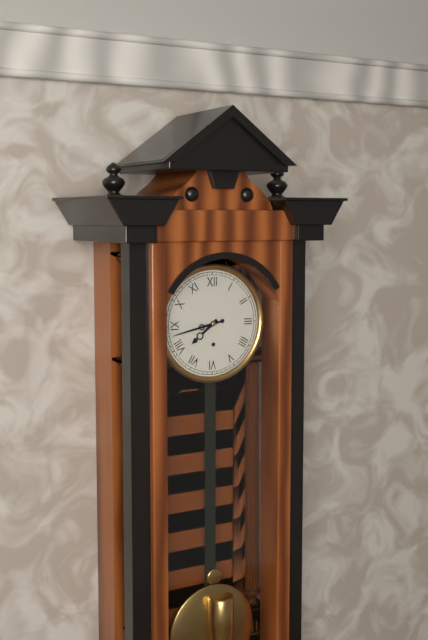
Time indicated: **7:43**
